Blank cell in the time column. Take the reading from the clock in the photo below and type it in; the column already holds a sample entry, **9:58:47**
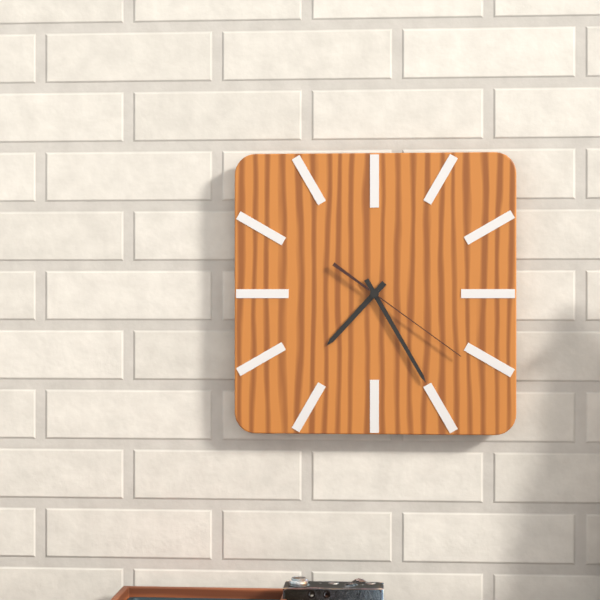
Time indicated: **7:25:21**
